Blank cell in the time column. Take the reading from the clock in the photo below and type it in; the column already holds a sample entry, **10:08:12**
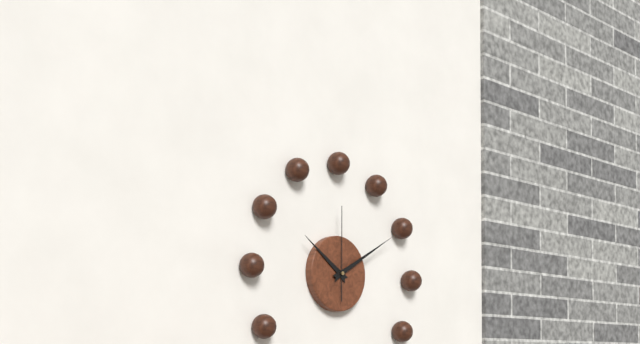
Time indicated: **10:10:00**
